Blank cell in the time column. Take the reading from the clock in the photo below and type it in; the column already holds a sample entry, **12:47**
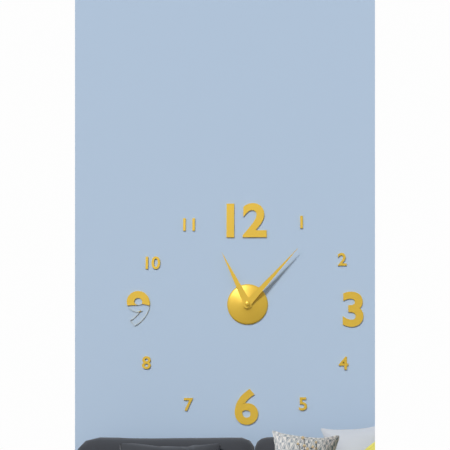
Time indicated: **11:07**
